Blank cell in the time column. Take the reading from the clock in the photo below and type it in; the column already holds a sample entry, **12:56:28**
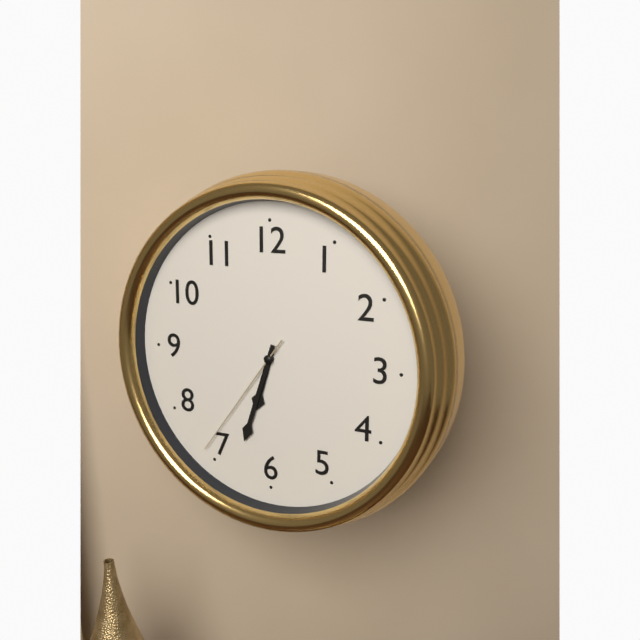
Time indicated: **6:33:36**
